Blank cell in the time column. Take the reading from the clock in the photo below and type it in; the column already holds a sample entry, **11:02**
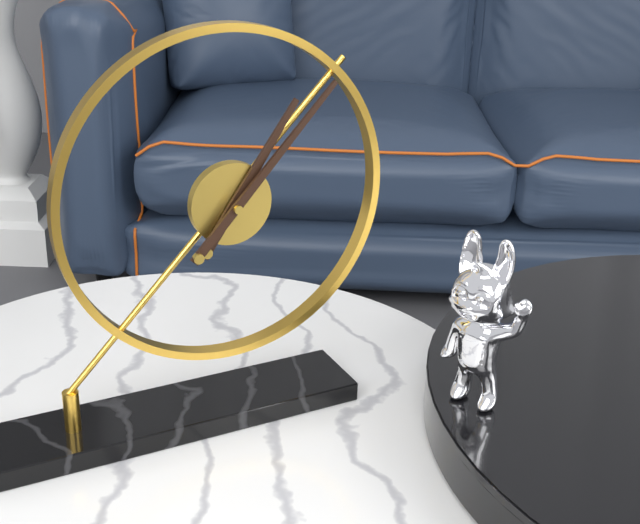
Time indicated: **1:07**
